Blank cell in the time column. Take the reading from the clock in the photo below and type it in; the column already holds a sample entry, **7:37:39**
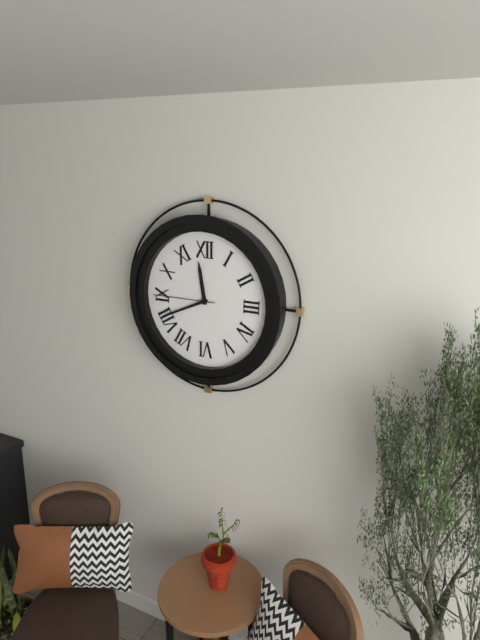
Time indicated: **11:41:45**
